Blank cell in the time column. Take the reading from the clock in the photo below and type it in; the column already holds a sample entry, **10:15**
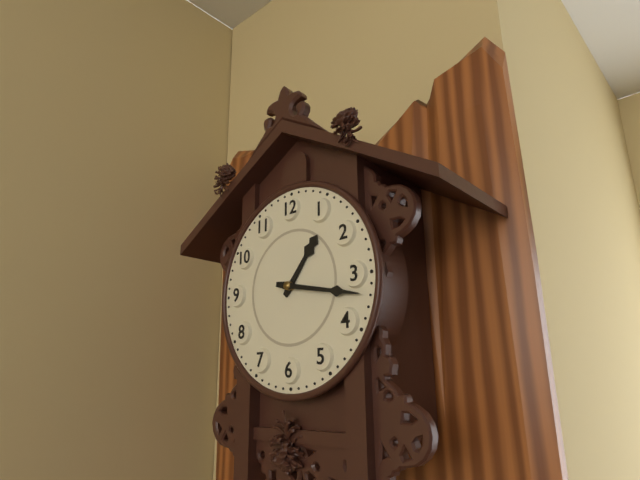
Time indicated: **1:17**
